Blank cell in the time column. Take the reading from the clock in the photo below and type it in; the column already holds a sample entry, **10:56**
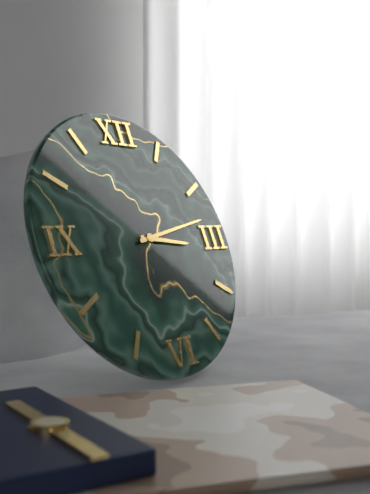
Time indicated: **3:13**
